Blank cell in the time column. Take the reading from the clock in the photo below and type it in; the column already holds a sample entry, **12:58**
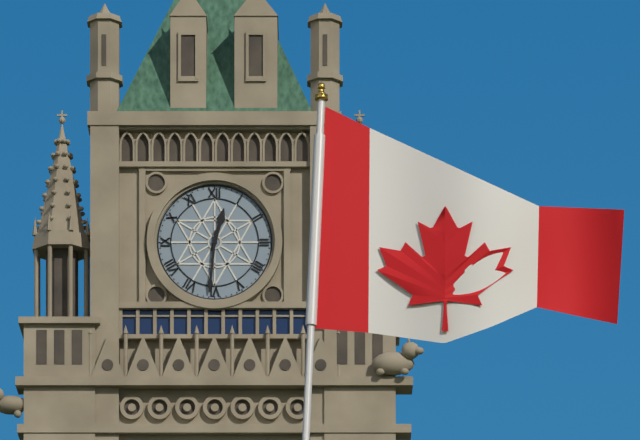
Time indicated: **12:31**
